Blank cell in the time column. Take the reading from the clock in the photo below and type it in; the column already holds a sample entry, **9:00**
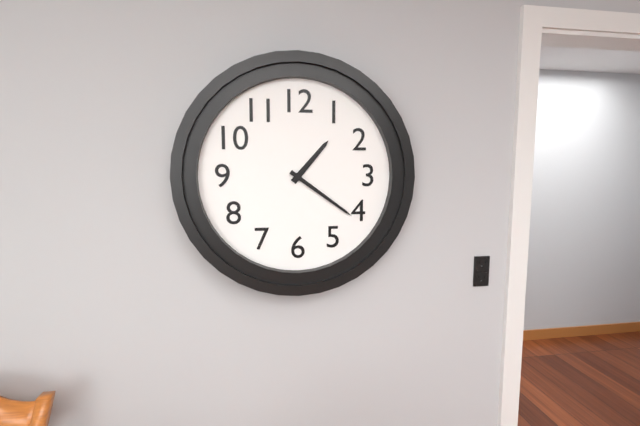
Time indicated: **1:21**
